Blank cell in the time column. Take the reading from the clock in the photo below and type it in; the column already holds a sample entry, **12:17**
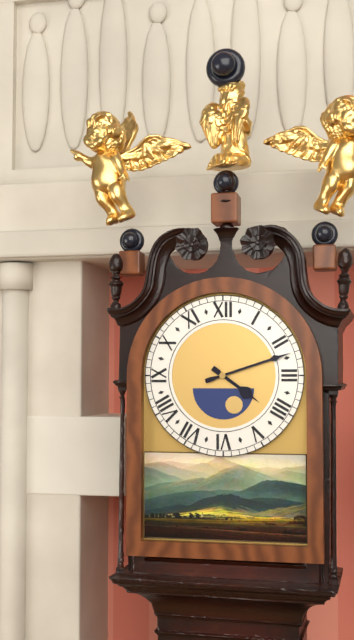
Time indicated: **4:12**
